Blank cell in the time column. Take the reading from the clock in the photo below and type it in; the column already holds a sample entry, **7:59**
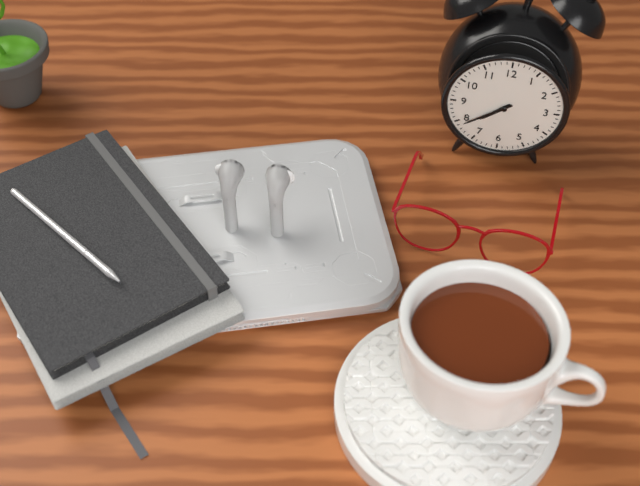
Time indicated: **7:39**
